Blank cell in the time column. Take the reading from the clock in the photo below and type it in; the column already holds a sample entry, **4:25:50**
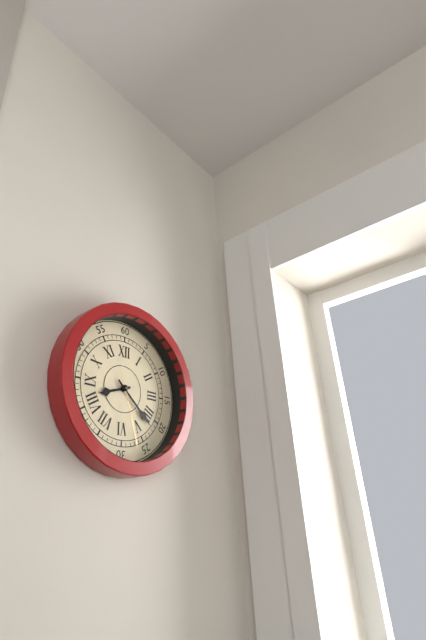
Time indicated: **8:22:27**
